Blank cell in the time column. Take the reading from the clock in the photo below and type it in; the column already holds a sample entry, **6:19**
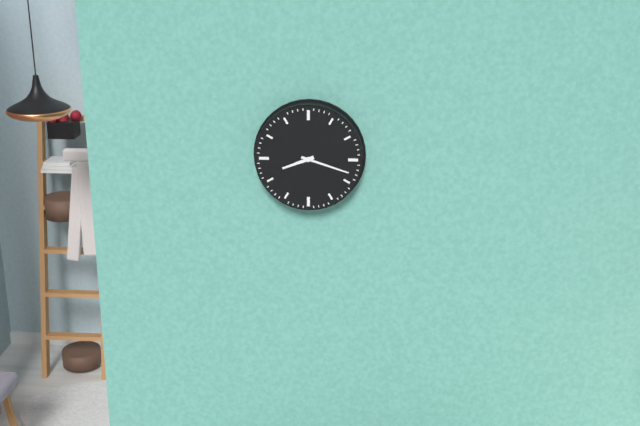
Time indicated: **8:18**
